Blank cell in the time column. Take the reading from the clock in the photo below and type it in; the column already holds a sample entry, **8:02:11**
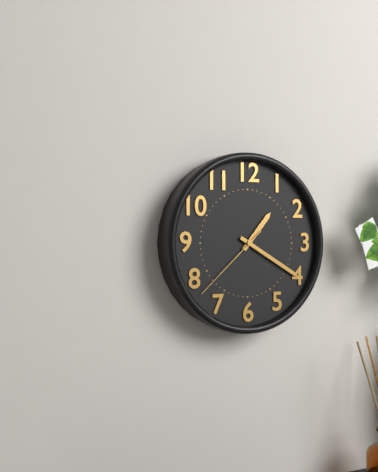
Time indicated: **1:20:38**
